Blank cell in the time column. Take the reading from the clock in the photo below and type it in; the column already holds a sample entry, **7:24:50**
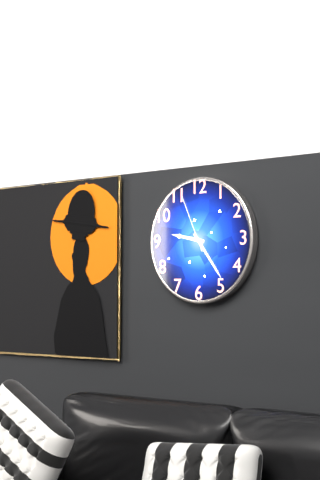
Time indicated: **9:24:56**
